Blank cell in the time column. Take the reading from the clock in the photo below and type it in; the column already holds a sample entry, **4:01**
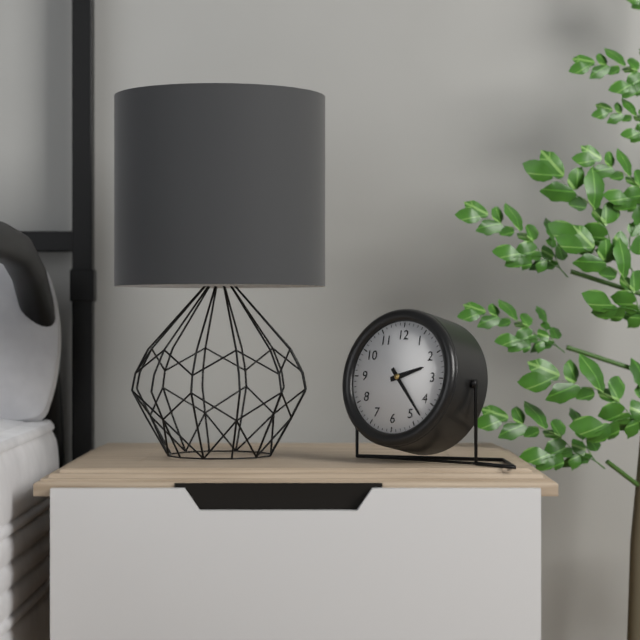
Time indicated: **2:23**
